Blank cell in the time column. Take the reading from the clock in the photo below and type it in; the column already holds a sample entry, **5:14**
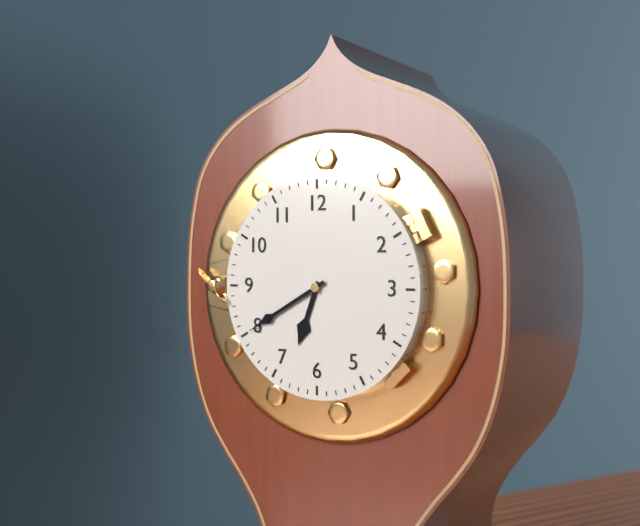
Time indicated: **6:40**
